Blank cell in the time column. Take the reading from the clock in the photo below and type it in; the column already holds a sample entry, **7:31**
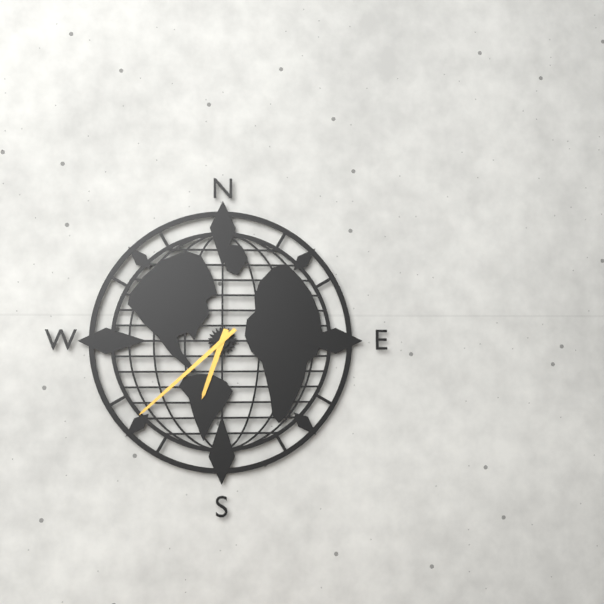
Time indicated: **6:38**
